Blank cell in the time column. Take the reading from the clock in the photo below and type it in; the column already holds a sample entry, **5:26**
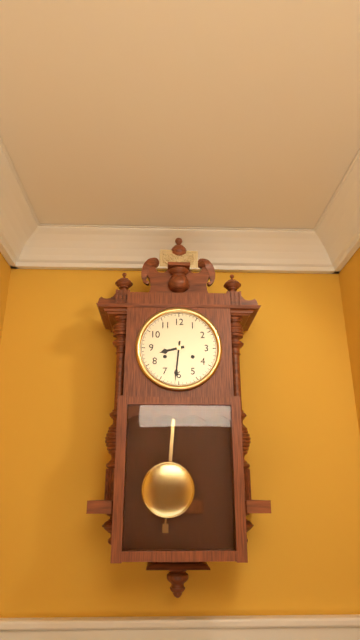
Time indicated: **8:31**
